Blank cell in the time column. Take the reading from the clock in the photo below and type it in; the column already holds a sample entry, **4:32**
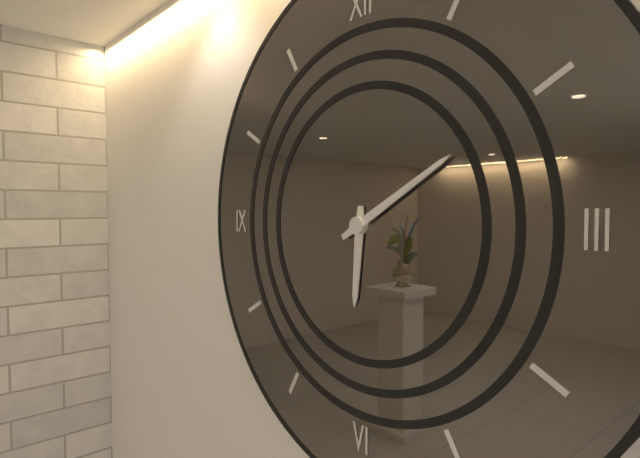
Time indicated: **6:10**
